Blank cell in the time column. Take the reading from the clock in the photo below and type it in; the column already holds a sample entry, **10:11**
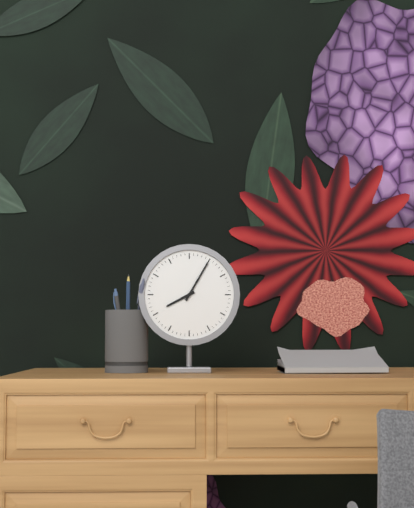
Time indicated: **8:05**
